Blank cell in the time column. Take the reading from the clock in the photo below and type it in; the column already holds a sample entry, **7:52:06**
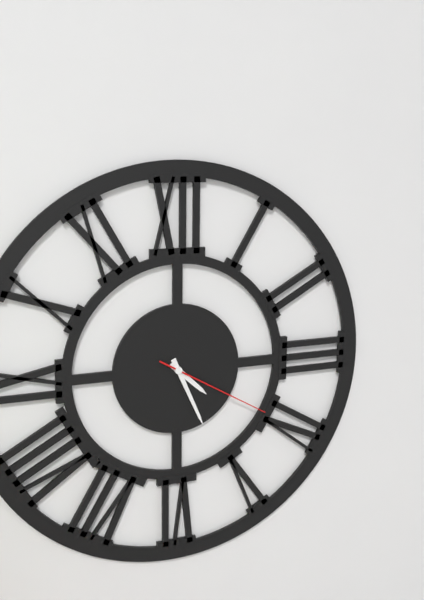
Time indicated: **4:26:20**
